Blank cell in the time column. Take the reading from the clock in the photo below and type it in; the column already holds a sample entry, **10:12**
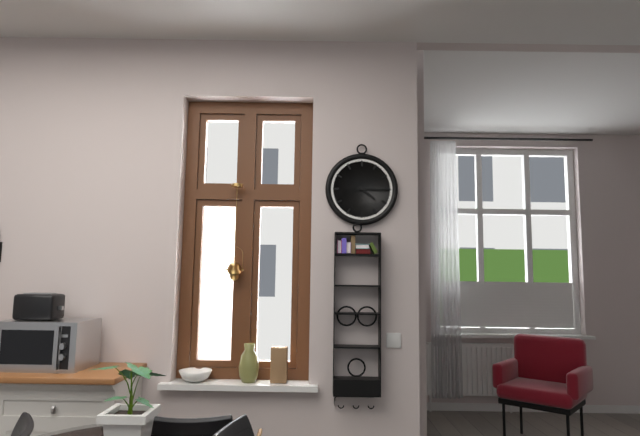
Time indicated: **4:15**
